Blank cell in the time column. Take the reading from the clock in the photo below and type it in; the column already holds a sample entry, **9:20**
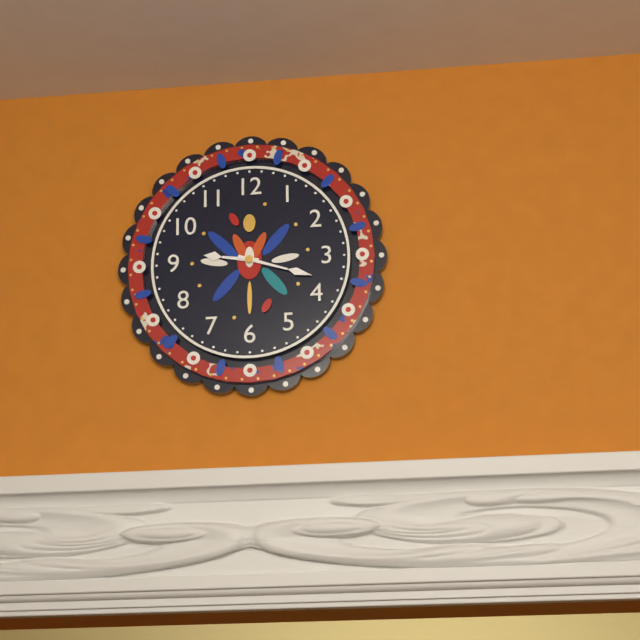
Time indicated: **9:18**
